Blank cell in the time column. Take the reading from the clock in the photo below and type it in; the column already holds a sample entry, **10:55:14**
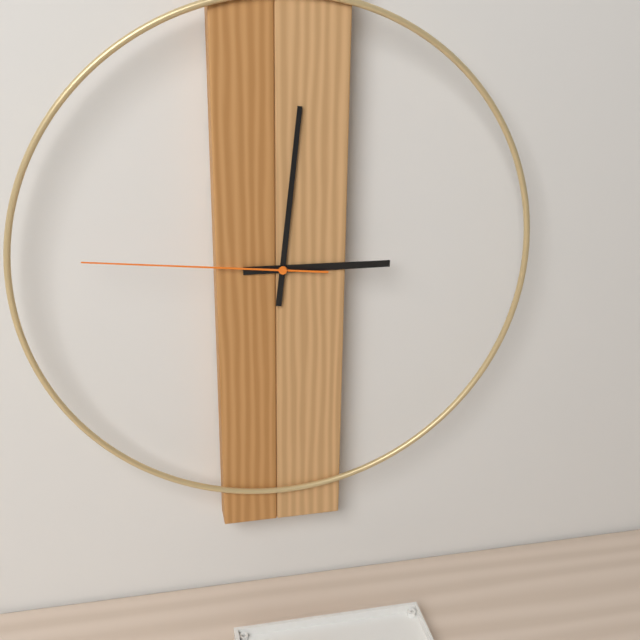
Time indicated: **3:01:46**
